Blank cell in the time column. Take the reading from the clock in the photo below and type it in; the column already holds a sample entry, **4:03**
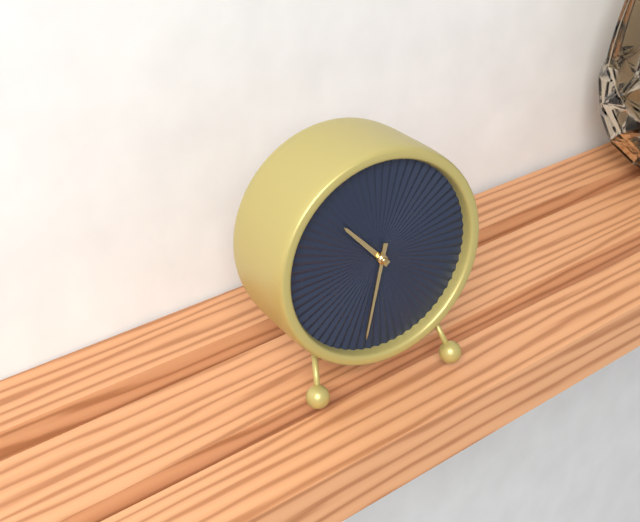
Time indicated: **10:32**
